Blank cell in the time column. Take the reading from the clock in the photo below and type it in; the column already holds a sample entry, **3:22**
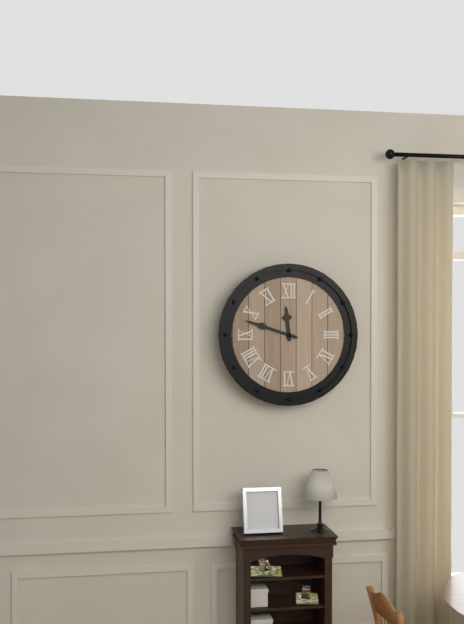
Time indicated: **11:48**
